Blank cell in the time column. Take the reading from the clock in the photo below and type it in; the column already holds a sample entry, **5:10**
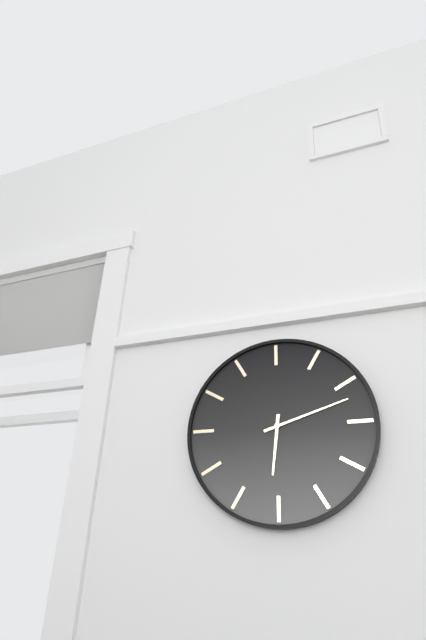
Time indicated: **6:12**
